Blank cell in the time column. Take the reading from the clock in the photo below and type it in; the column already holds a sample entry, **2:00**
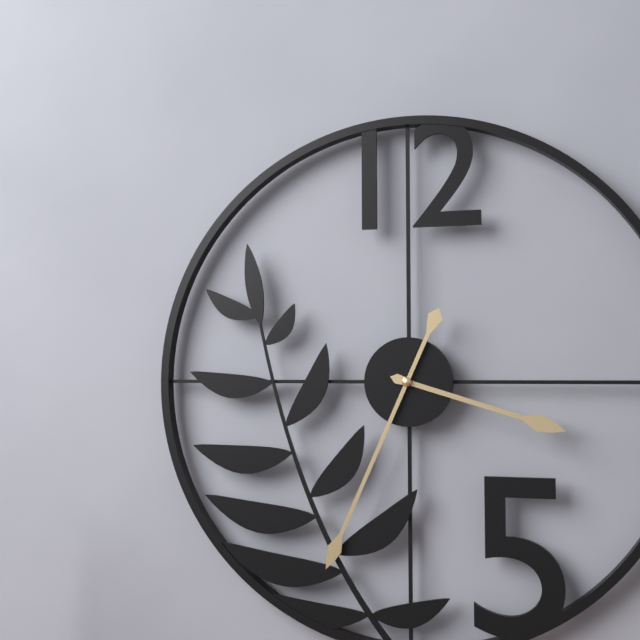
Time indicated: **3:34**
